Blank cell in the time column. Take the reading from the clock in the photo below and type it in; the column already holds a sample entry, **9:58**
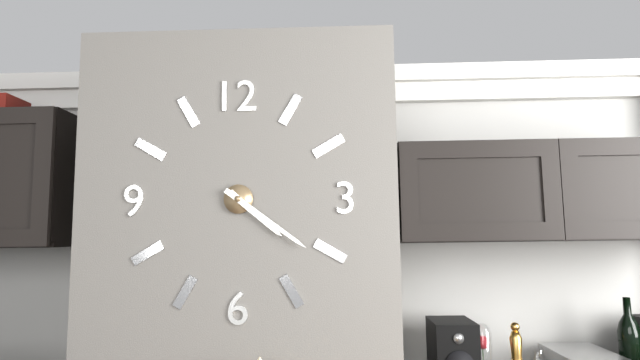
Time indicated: **4:21**
